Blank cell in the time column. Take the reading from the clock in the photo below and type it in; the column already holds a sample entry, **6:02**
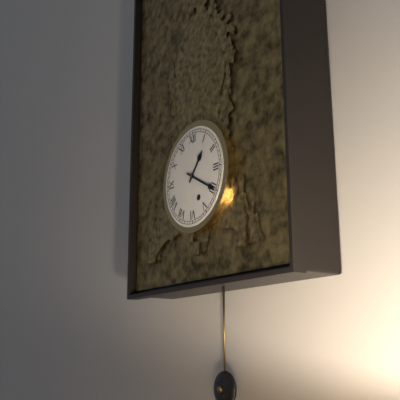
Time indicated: **1:20**
